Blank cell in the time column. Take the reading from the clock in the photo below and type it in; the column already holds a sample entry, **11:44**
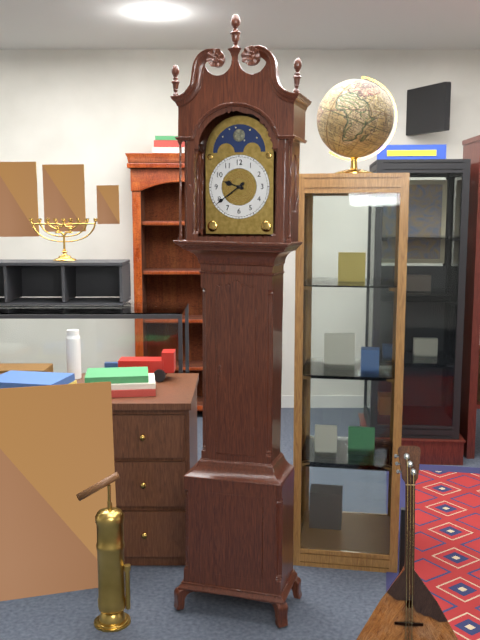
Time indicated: **9:39**
